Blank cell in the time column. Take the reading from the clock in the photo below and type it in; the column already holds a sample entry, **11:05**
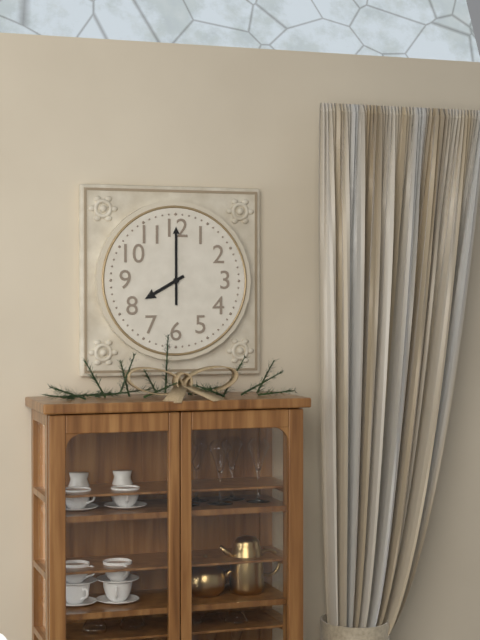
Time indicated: **8:00**
